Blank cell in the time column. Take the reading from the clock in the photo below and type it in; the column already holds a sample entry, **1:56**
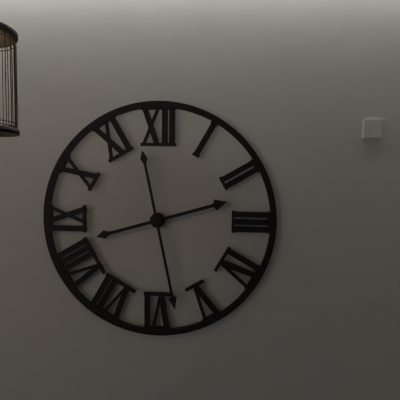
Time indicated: **2:28**
